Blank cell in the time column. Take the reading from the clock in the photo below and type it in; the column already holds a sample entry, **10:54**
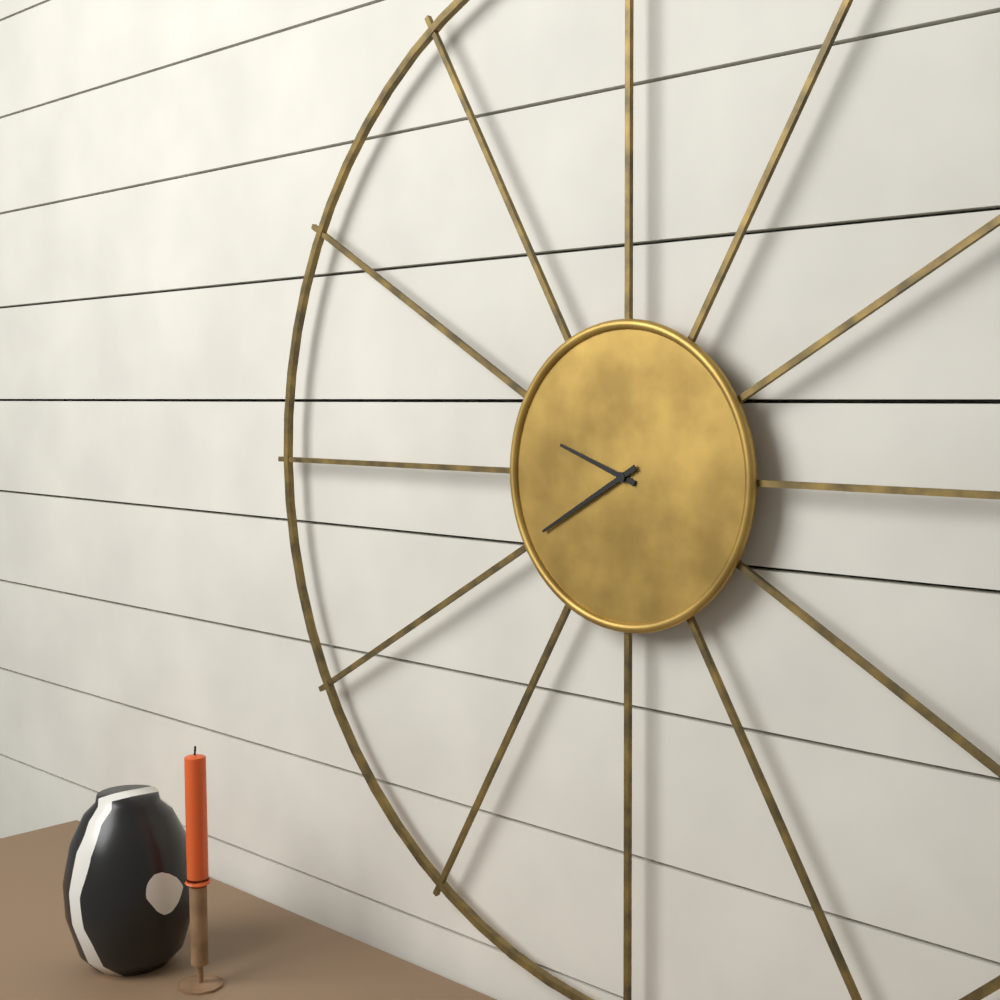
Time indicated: **9:40**
